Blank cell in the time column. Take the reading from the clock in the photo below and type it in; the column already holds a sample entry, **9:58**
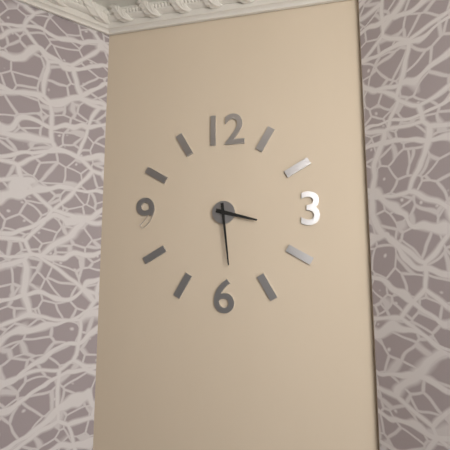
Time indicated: **3:29**
